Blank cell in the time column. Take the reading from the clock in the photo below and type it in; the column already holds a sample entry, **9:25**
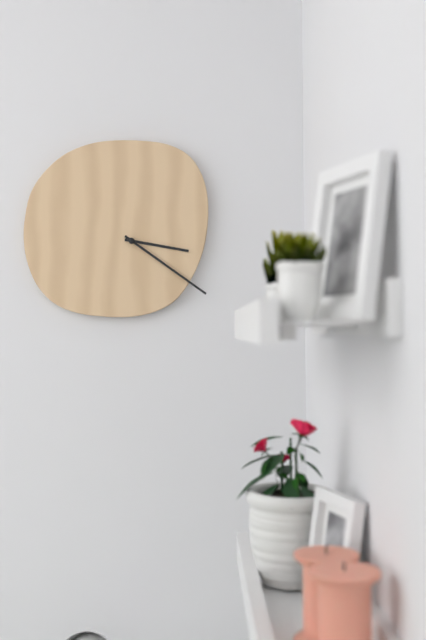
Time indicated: **3:21**
